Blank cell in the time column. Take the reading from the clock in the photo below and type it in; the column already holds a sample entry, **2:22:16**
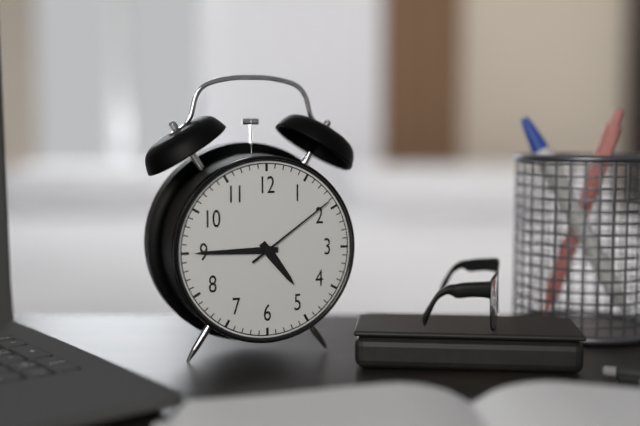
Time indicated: **4:45:09**
